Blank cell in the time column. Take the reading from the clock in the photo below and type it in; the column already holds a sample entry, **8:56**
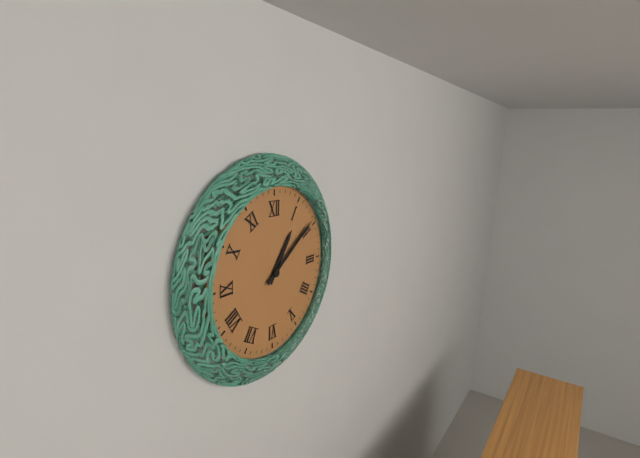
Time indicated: **1:09**
